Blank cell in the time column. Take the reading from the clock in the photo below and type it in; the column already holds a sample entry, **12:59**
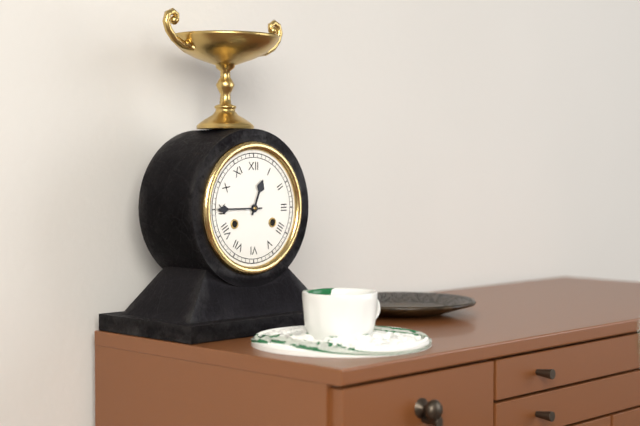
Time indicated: **12:45**
